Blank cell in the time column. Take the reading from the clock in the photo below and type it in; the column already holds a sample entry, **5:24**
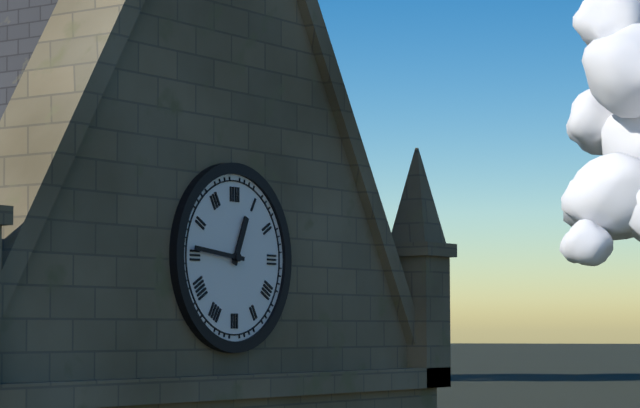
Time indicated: **12:46**
